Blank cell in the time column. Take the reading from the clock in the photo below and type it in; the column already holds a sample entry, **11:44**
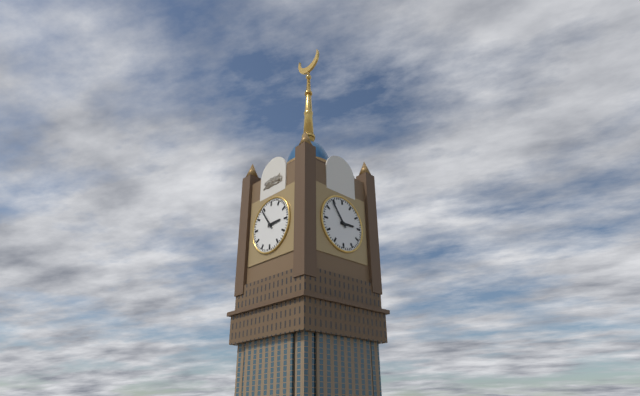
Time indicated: **2:54**
